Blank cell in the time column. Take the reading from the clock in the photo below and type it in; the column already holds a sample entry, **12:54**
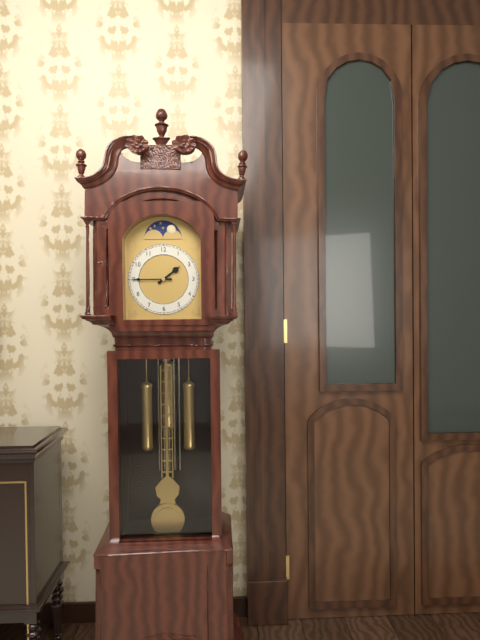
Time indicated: **1:45**
